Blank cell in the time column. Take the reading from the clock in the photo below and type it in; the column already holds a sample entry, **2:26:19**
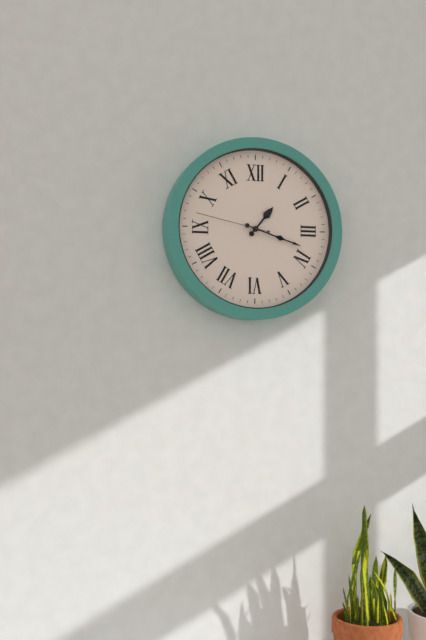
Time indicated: **1:18:47**
